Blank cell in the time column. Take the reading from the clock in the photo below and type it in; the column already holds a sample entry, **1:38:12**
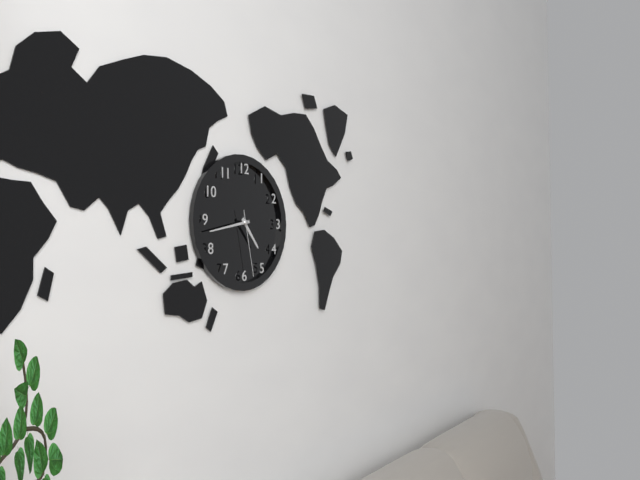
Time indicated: **4:43:28**
